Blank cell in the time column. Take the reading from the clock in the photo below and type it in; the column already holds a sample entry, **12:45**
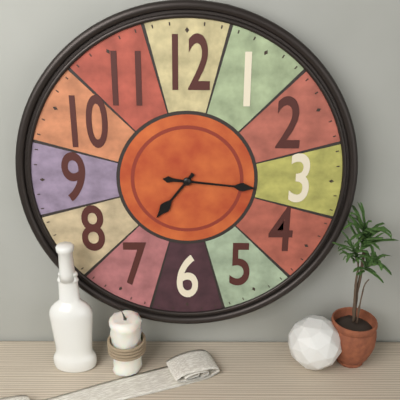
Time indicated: **7:16**
